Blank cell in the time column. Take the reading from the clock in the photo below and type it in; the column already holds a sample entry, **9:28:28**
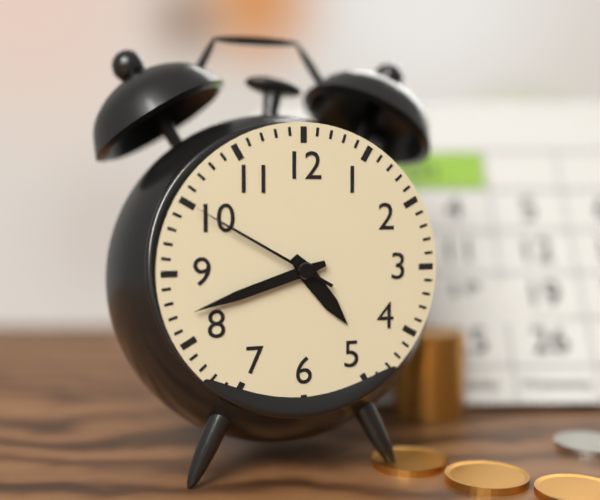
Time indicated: **4:42:50**
